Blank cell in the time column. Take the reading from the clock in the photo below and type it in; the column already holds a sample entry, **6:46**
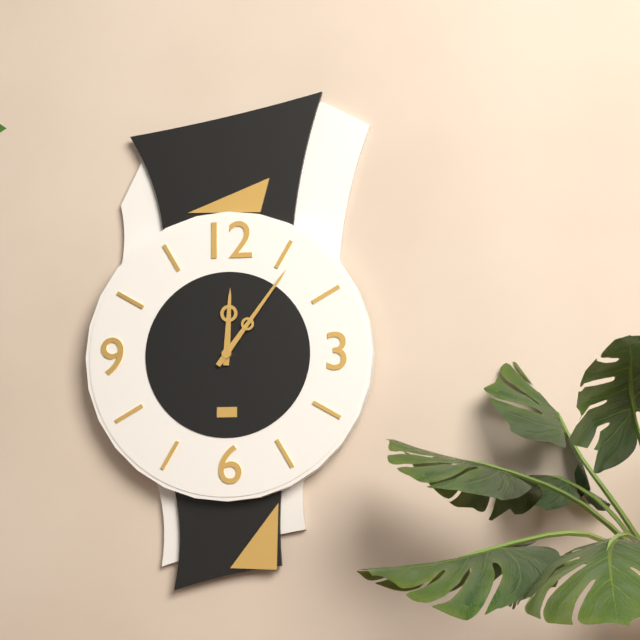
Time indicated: **12:06**
